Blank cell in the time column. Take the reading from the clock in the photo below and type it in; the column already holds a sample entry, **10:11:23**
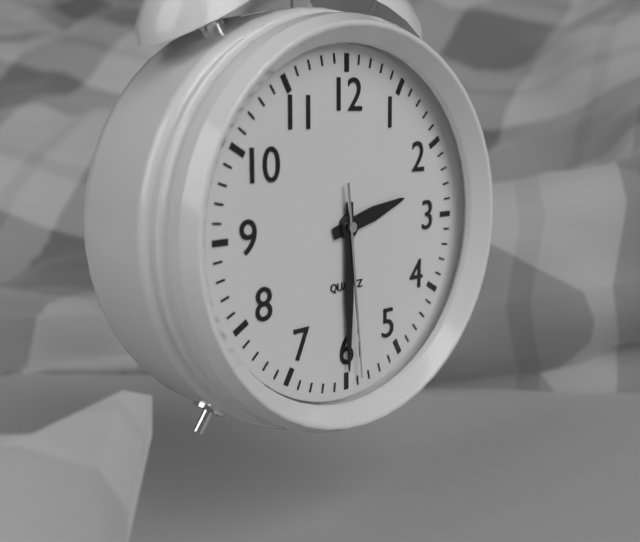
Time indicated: **2:30:29**
